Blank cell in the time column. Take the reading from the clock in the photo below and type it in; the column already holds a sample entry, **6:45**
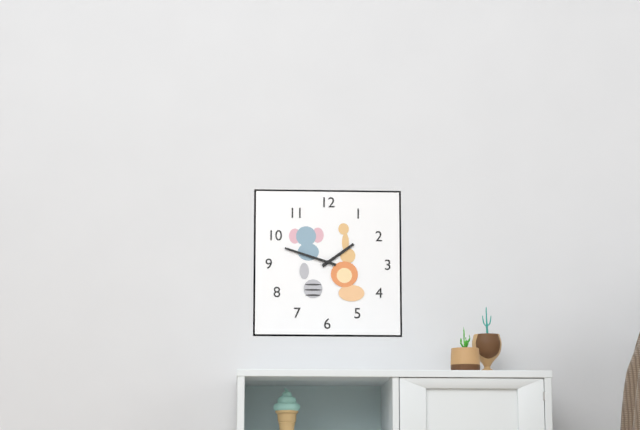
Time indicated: **1:48**
